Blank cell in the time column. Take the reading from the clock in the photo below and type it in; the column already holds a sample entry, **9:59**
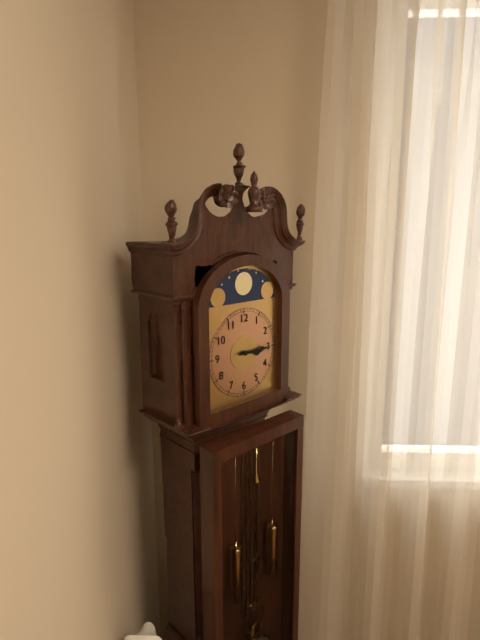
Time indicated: **3:15**
